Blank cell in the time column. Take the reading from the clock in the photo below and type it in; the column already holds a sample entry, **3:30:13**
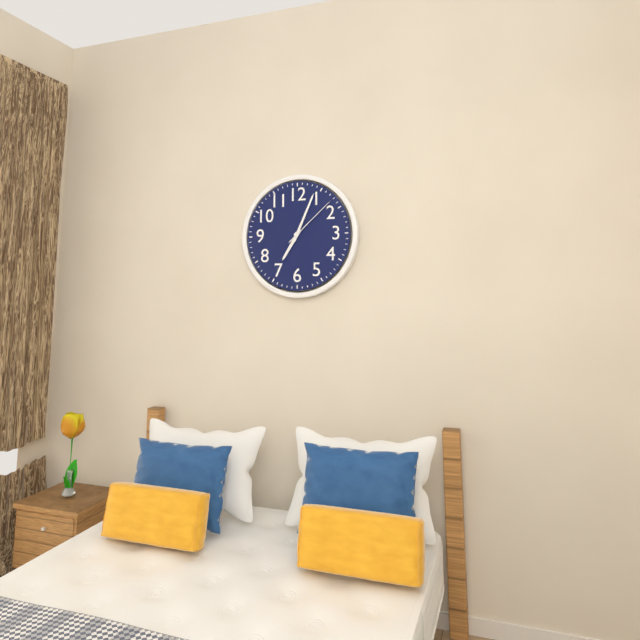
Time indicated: **7:04:08**
